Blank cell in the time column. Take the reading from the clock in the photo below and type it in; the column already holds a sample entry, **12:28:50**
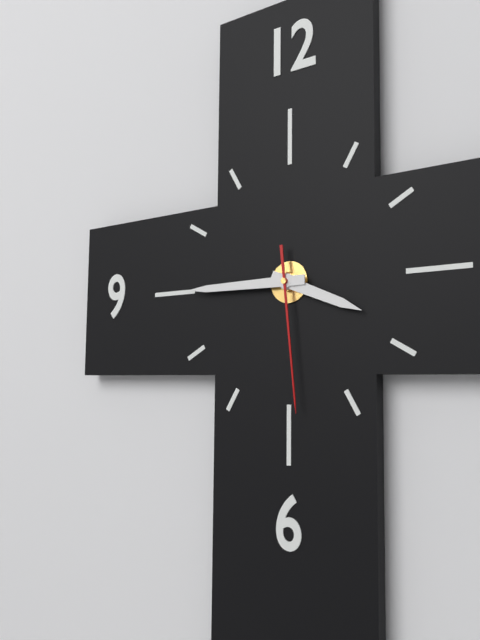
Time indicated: **3:45:29**
